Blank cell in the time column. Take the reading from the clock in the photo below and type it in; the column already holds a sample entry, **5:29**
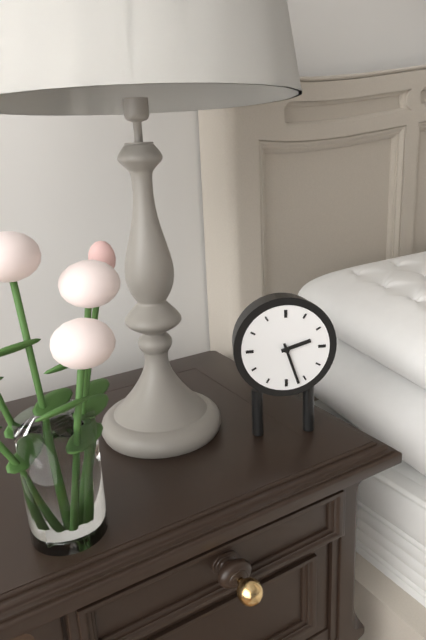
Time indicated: **2:27**
